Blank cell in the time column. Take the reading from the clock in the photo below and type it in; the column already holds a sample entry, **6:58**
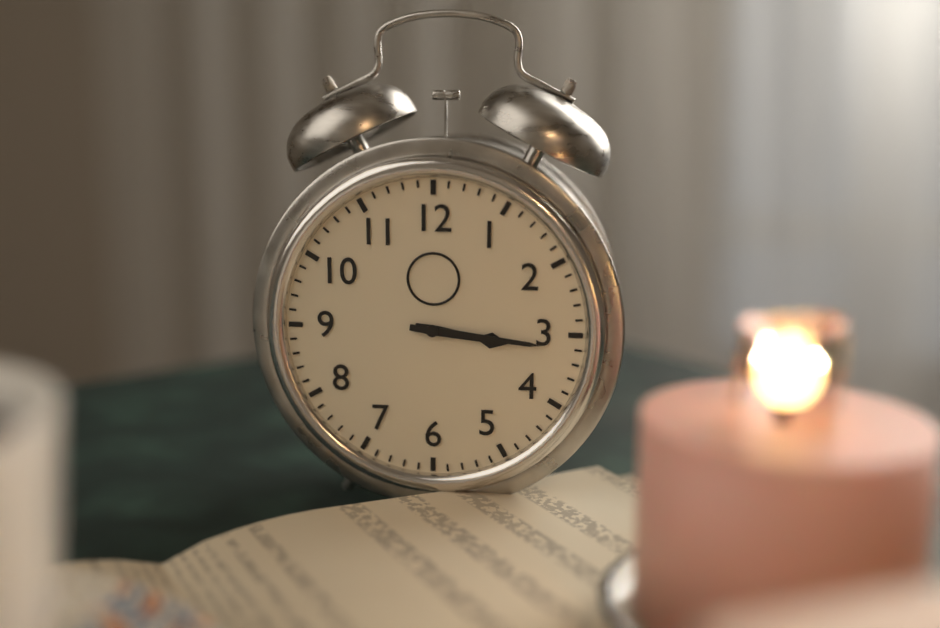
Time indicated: **3:16**
